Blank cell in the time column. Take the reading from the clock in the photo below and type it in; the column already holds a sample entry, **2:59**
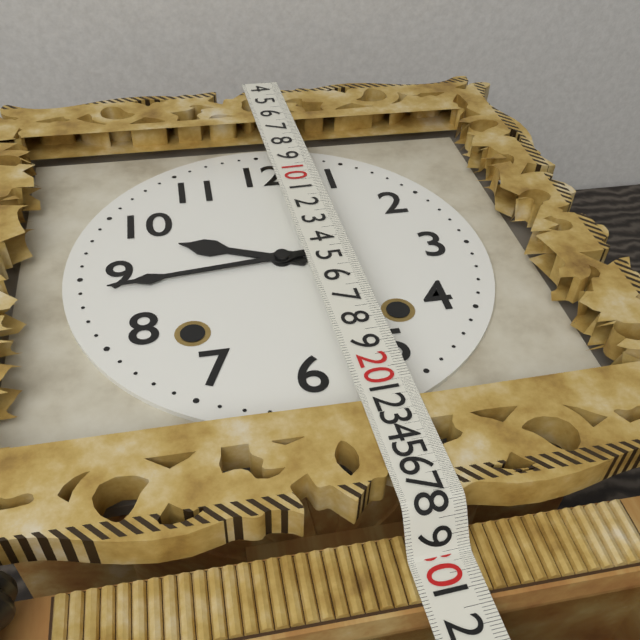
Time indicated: **9:44**
